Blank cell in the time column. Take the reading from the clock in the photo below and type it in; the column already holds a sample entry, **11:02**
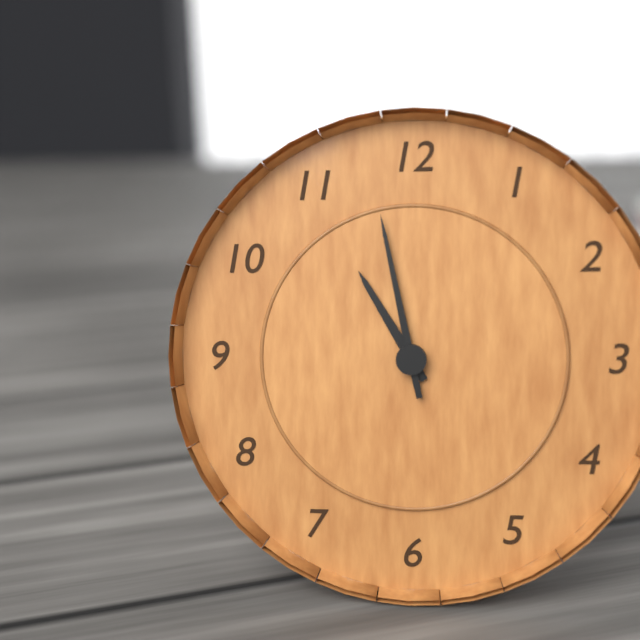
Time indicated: **10:58**
